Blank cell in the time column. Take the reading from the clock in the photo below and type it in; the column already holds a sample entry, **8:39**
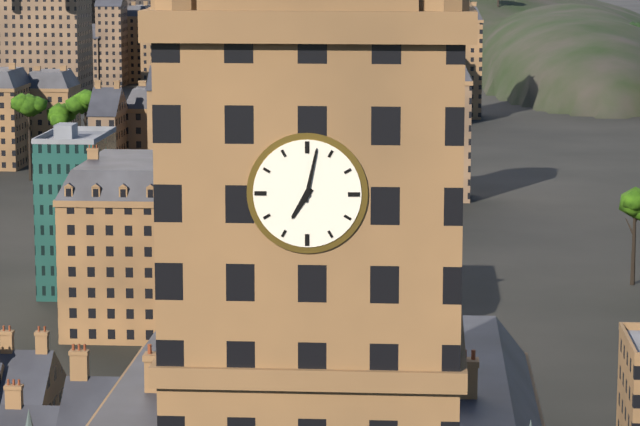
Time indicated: **7:02**
